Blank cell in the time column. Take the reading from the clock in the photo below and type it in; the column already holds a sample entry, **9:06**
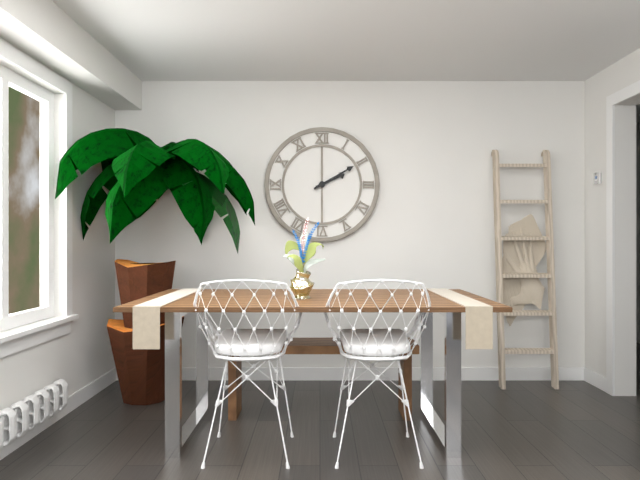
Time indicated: **2:10**
